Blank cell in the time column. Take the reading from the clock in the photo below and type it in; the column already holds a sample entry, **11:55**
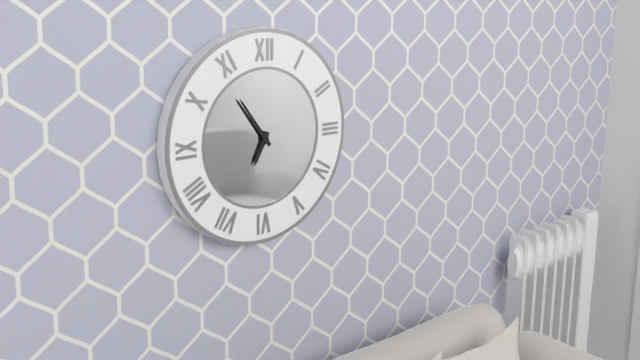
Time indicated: **6:54**
